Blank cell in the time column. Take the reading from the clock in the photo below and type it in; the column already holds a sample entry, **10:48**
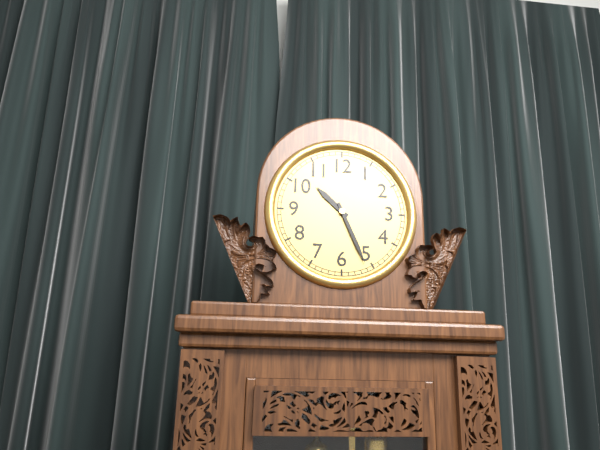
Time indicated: **10:26**
